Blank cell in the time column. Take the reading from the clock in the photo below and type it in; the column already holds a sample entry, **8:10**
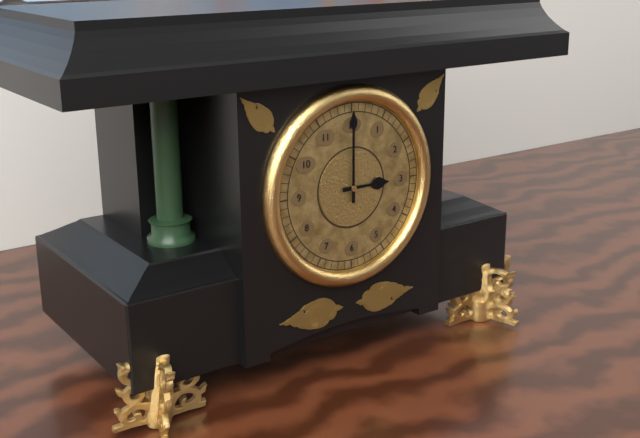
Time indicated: **3:00**
